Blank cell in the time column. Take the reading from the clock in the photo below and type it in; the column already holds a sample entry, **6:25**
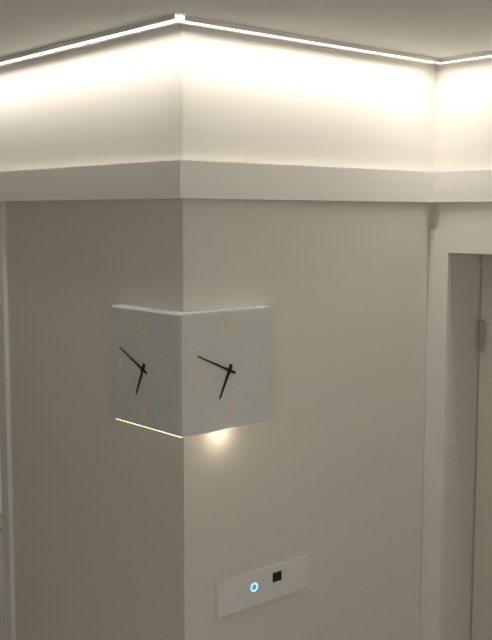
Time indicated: **6:49**
